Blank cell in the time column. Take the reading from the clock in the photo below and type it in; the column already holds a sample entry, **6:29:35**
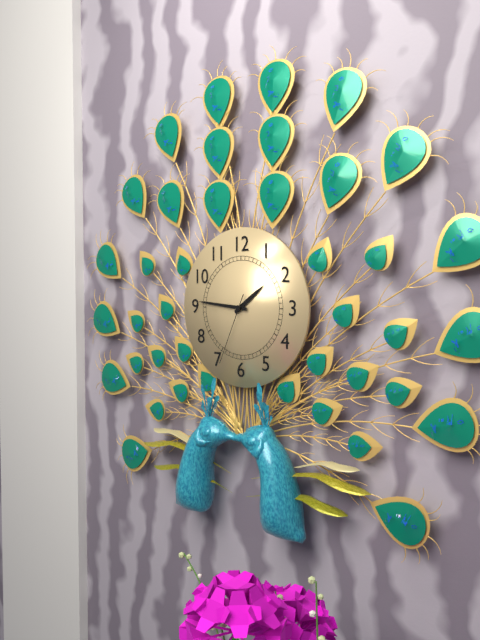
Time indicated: **1:46:34**
